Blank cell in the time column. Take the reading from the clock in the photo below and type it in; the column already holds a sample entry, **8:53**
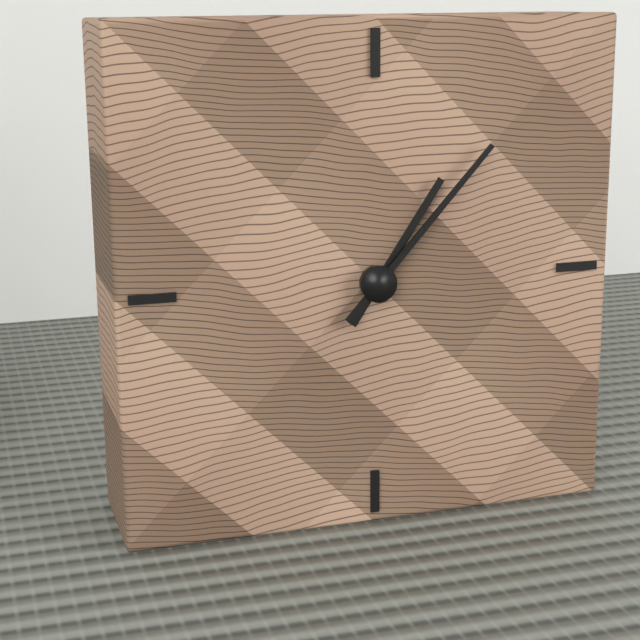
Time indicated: **1:07**
